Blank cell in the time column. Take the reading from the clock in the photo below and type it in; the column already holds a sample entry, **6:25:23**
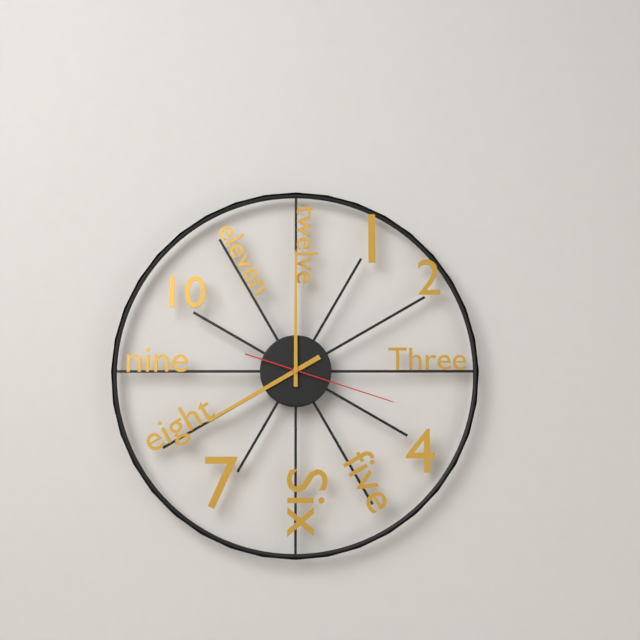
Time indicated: **8:00:18**
